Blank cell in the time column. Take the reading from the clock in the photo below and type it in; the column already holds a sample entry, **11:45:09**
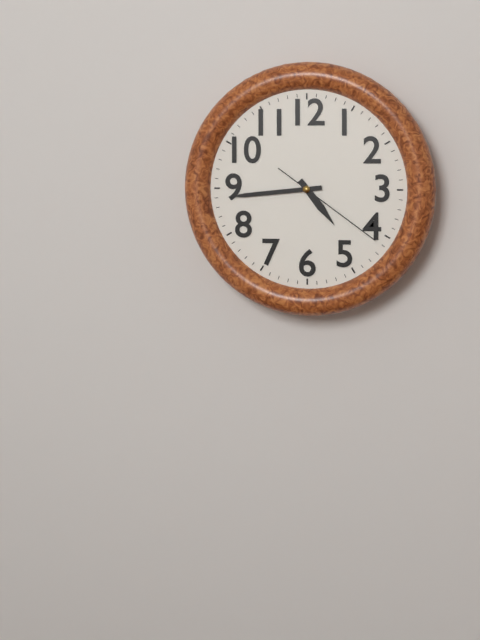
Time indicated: **4:44:21**
